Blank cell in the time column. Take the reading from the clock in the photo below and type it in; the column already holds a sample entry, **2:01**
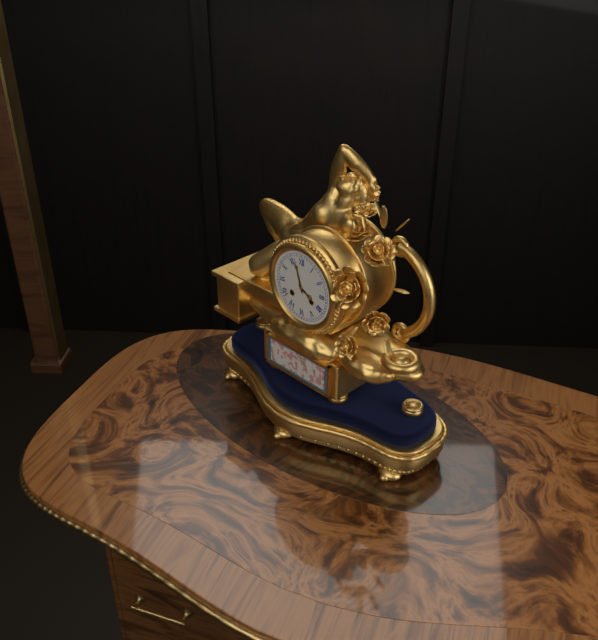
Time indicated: **3:57**
